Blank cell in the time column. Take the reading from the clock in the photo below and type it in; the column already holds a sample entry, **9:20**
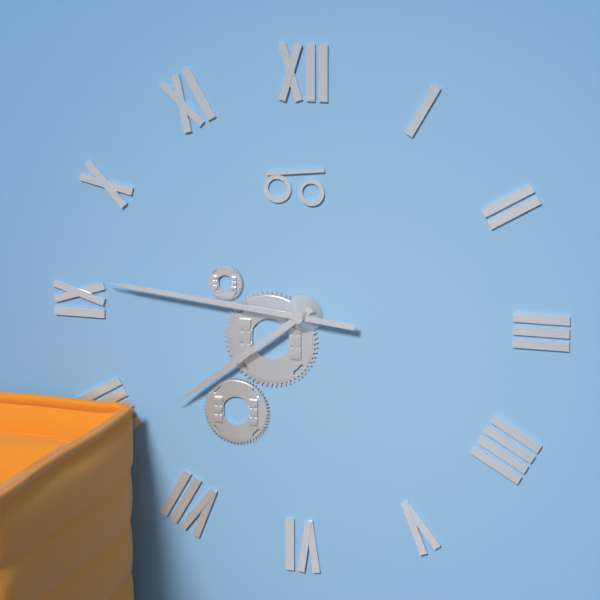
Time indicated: **7:46**
